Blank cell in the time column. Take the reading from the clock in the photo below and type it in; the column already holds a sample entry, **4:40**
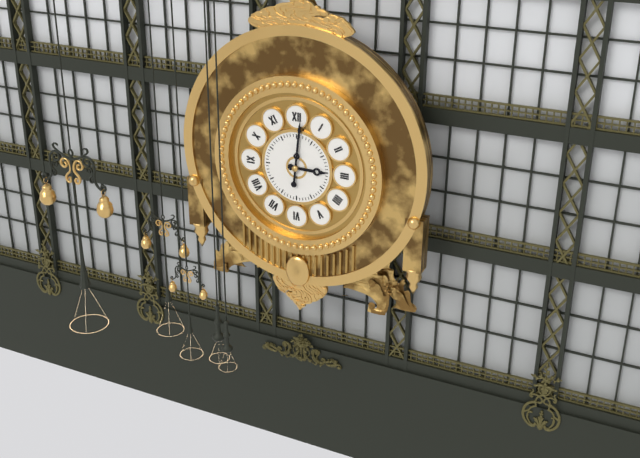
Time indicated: **3:01**
